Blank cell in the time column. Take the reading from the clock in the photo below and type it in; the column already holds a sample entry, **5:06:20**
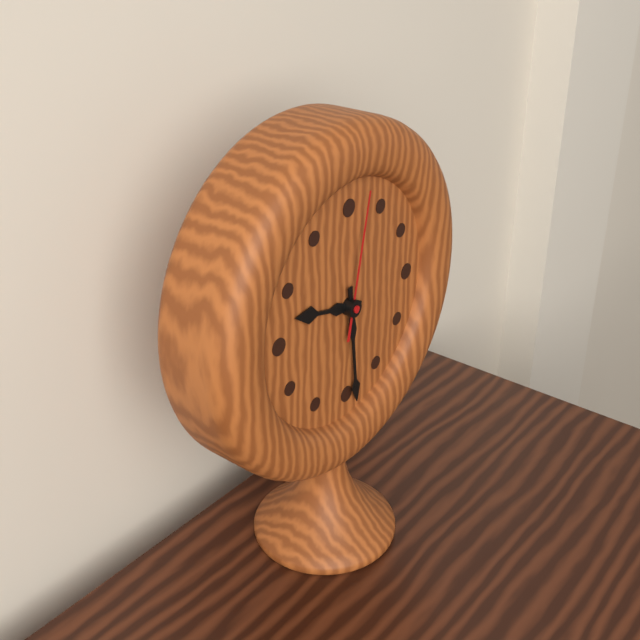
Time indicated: **9:29:02**
